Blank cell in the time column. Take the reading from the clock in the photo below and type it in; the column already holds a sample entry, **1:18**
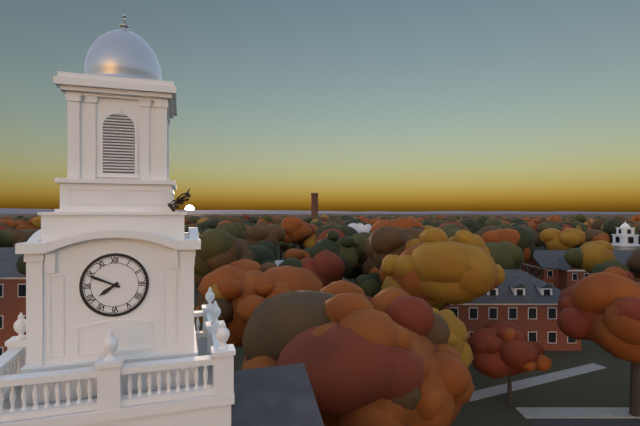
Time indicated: **7:49**
